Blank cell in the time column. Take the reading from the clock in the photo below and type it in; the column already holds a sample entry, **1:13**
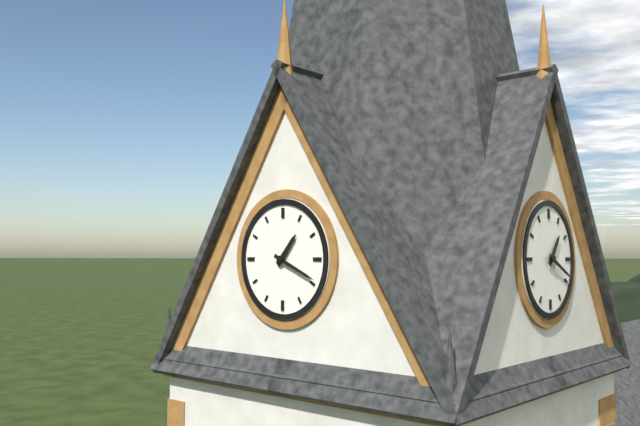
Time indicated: **1:19**
